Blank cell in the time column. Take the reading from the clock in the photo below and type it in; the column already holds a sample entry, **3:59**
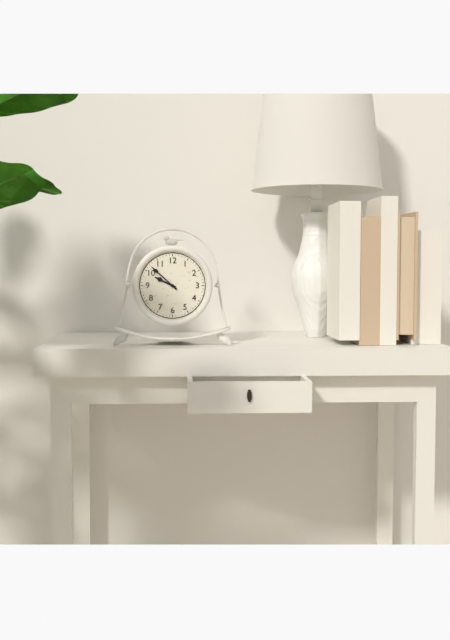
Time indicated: **9:52**
